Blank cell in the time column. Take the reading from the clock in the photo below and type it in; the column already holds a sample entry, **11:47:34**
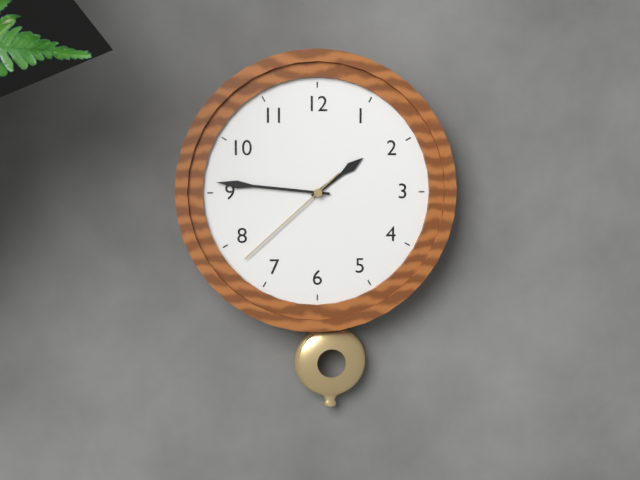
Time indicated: **1:46:38**
